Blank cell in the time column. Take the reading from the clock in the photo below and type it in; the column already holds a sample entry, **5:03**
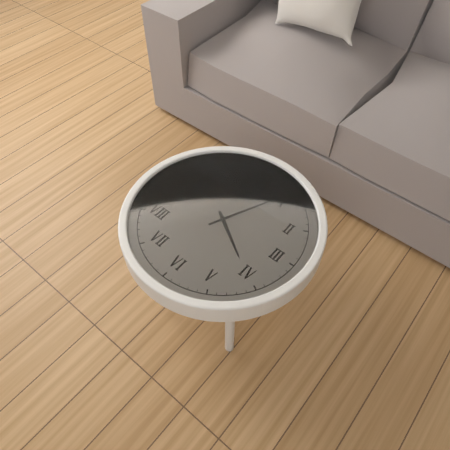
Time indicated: **4:04**
